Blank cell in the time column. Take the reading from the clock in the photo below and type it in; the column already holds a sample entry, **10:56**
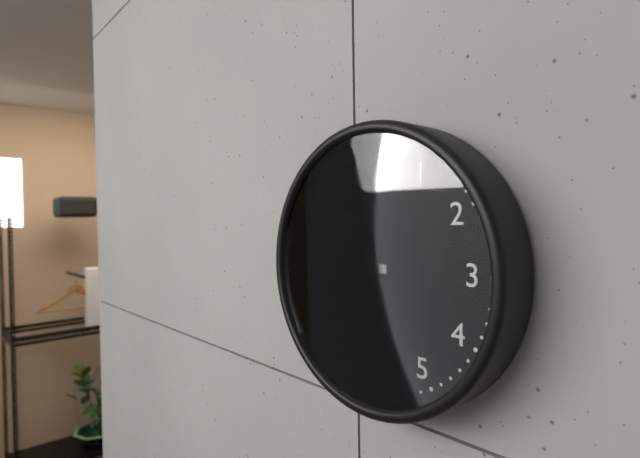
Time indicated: **8:59**
